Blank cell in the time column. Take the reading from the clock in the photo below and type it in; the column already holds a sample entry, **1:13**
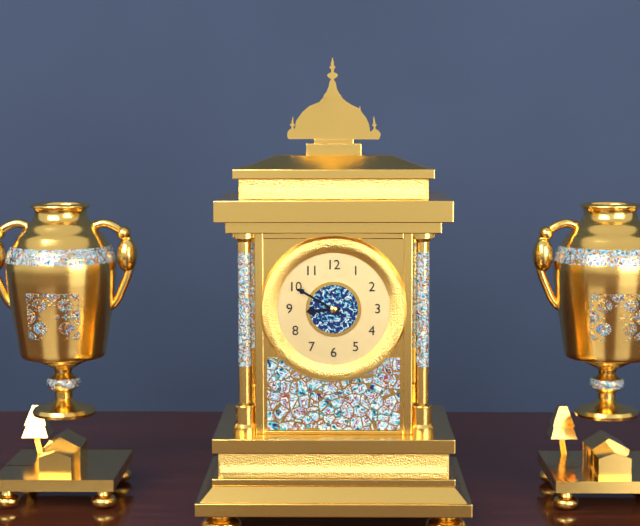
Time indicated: **8:50**
